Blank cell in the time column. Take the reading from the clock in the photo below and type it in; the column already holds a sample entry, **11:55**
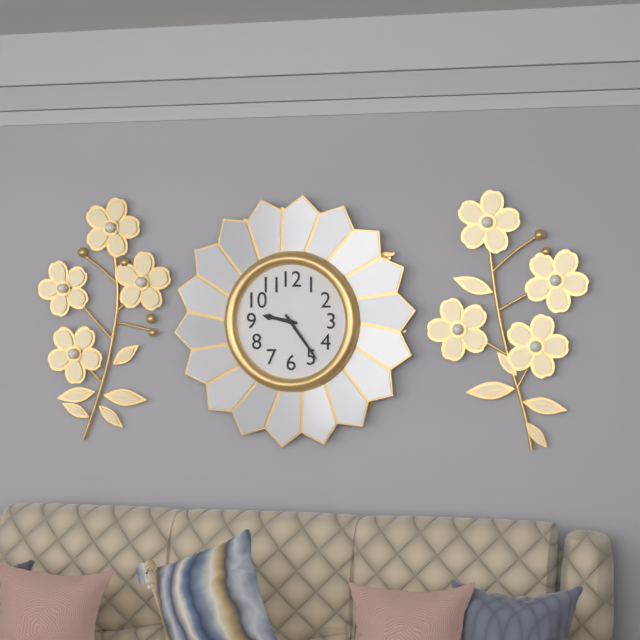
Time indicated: **9:24**
